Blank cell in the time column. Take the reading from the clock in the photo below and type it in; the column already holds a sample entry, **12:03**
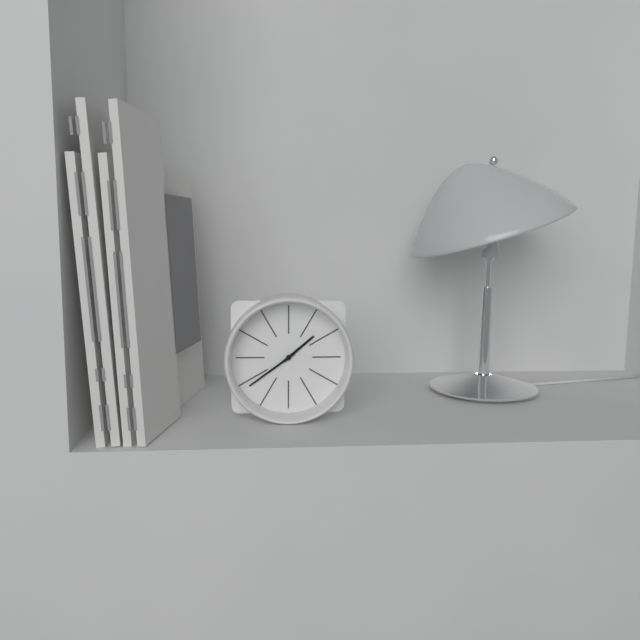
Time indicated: **1:39**
